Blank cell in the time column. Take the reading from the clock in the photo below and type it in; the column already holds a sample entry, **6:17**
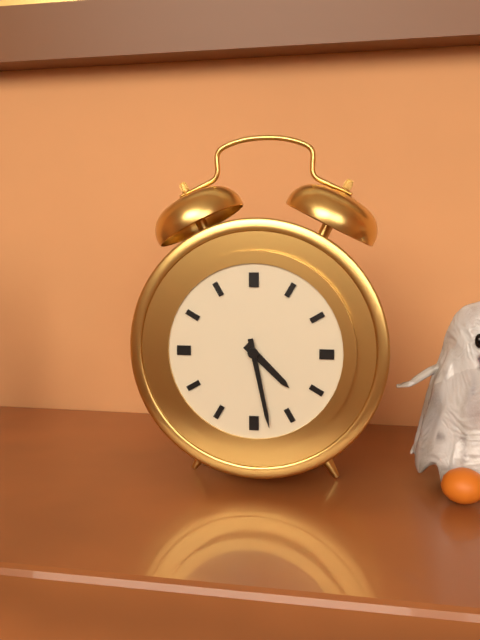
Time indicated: **4:28**
